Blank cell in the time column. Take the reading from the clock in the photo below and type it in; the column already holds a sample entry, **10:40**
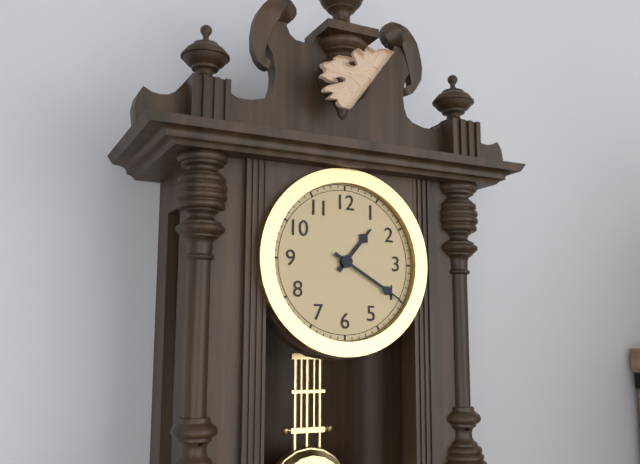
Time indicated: **1:20**
